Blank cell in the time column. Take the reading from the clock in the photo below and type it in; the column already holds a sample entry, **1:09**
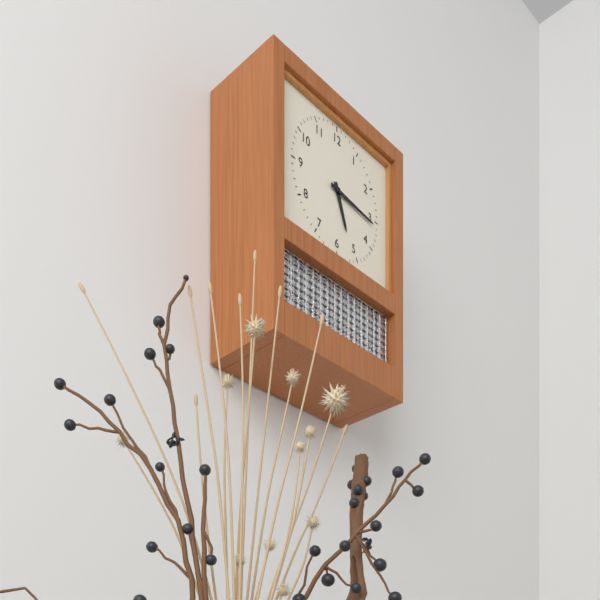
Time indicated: **5:16**
